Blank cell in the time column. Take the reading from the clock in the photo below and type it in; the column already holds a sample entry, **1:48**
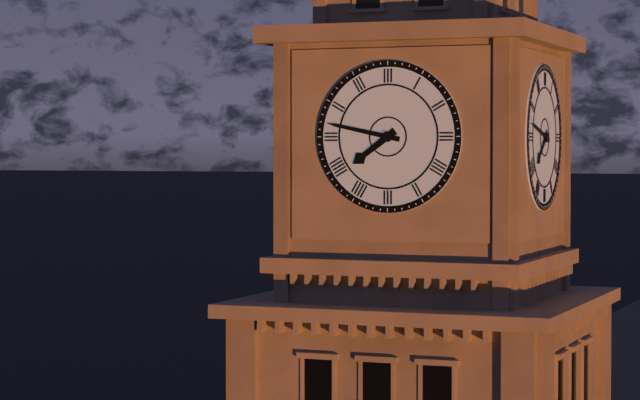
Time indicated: **7:47**
